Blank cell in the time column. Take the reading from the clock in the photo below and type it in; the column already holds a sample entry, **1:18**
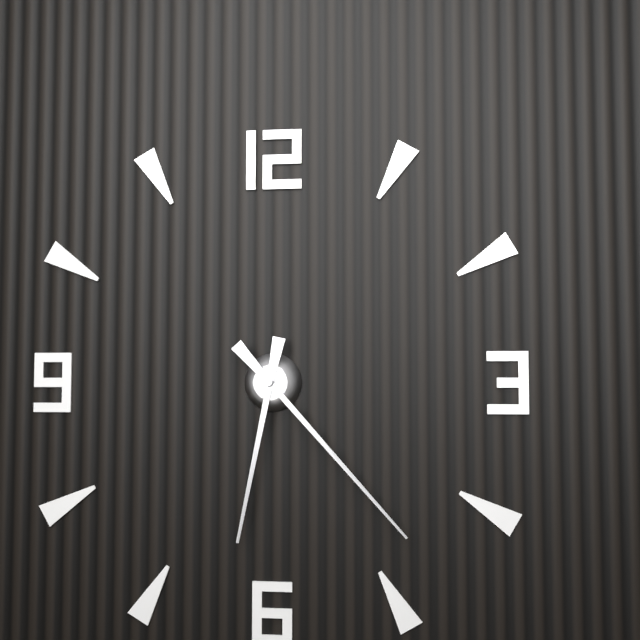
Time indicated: **6:23**
